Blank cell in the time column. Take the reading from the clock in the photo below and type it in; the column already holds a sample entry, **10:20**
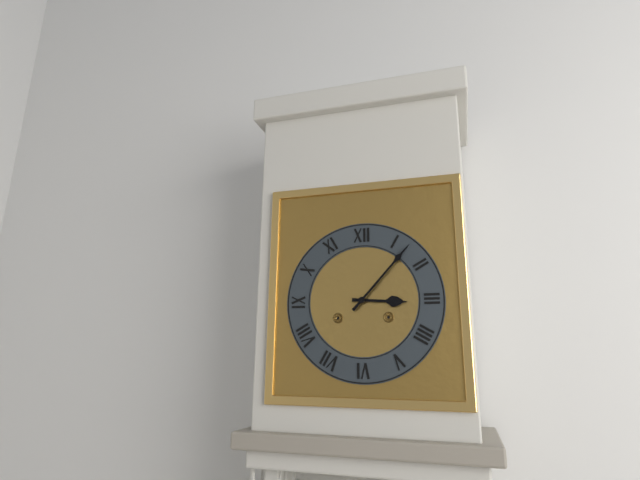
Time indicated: **3:07**
